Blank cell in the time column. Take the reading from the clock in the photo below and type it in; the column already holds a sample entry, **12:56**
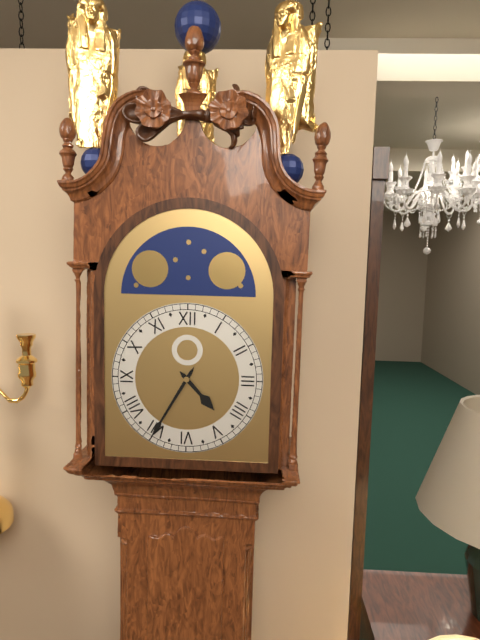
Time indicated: **4:35**
